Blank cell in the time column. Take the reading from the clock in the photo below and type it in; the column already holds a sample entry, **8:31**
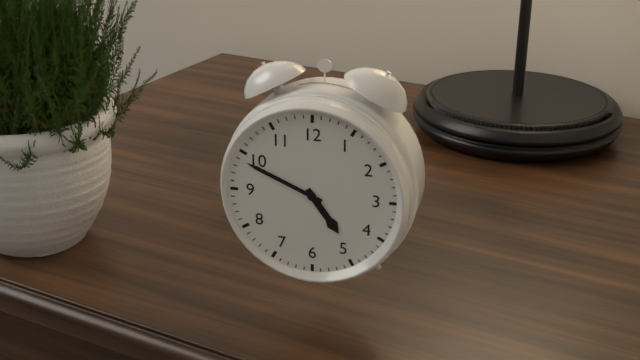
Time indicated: **4:49**
